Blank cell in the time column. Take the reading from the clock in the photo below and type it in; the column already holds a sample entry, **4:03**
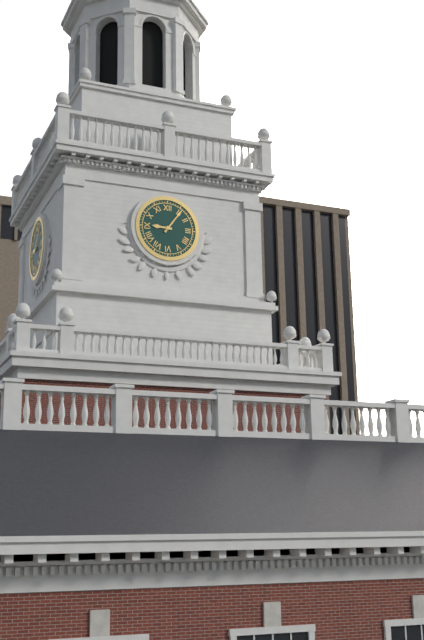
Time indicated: **9:06**
